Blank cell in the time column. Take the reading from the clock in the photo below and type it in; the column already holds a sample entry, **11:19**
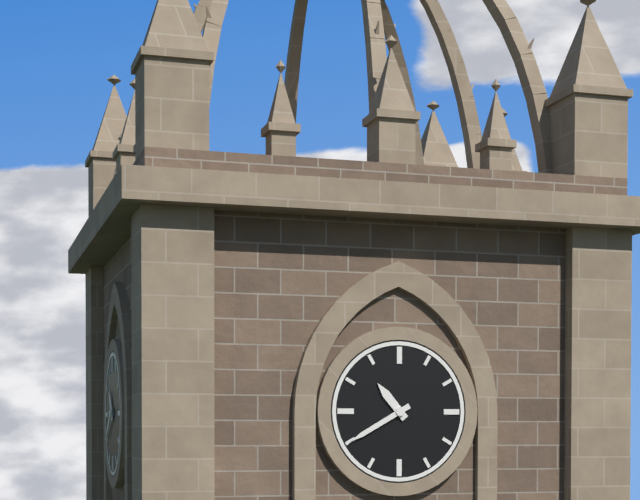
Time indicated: **10:40**
